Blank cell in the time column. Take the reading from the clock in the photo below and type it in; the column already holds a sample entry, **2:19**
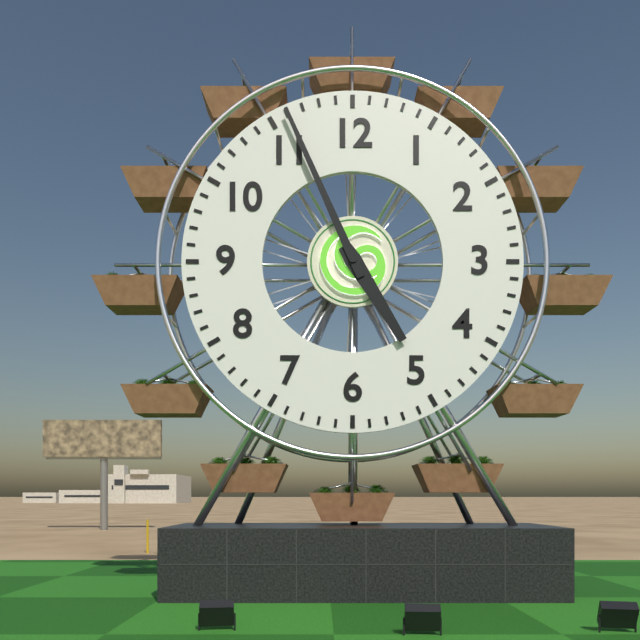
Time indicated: **4:56**
